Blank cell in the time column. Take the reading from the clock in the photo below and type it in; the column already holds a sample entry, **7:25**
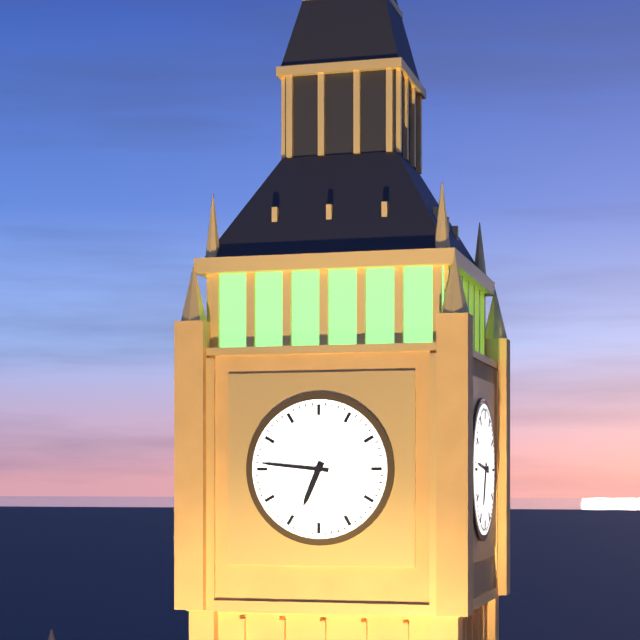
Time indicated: **6:46**
